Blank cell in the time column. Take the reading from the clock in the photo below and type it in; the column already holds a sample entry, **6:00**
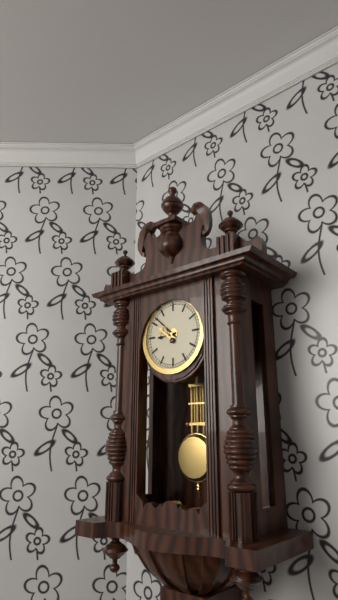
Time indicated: **8:52**
